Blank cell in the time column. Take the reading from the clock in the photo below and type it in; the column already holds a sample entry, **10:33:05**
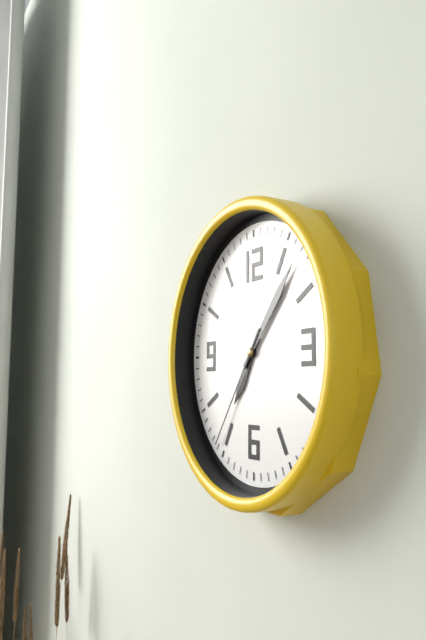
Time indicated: **7:07:36**
